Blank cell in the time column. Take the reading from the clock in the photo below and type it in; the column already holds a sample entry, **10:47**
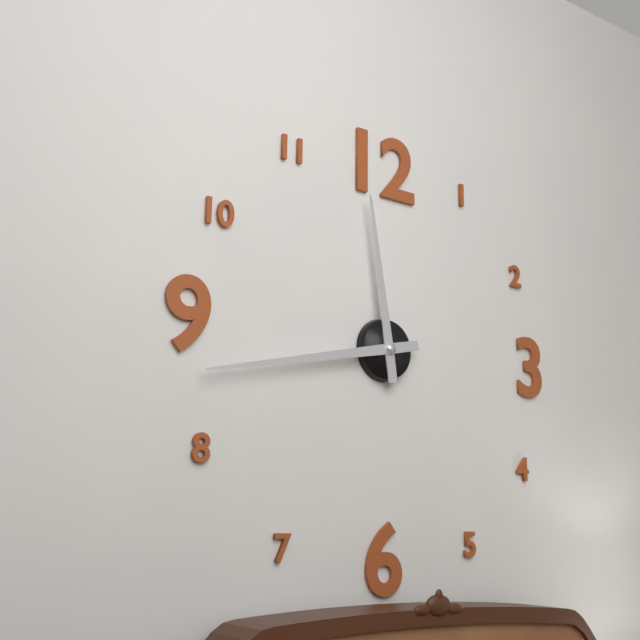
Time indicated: **11:43**
